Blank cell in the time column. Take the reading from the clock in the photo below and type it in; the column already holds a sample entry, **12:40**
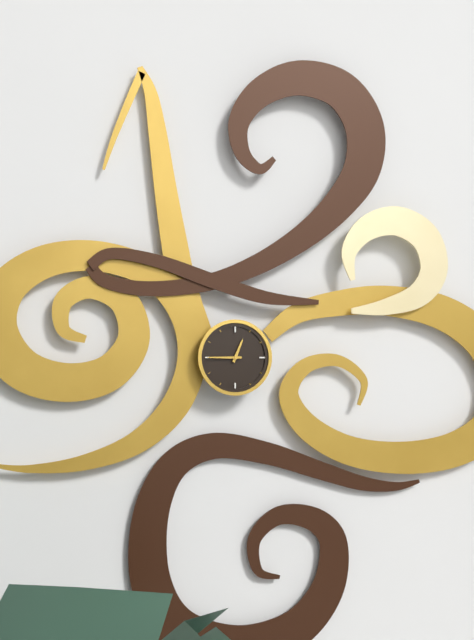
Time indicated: **12:45**
